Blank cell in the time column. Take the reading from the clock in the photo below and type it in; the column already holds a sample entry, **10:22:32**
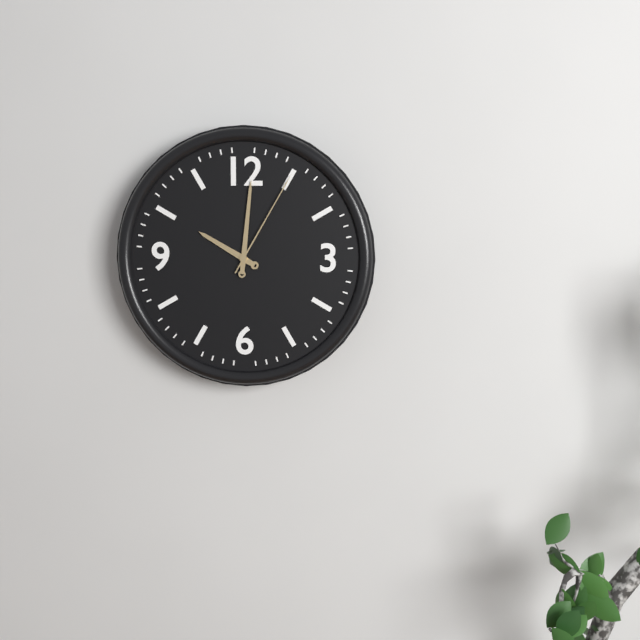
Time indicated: **10:01:05**
